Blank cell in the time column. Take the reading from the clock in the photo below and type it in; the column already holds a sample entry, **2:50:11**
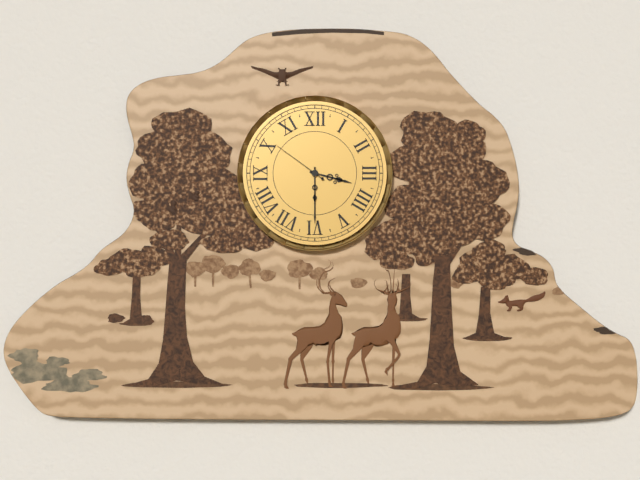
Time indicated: **3:30:51**
